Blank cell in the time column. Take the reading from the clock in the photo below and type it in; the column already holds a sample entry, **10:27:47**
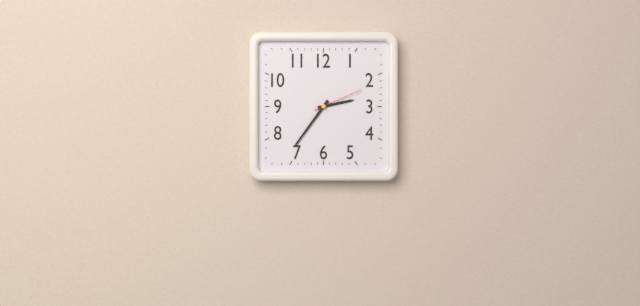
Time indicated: **2:36:11**
